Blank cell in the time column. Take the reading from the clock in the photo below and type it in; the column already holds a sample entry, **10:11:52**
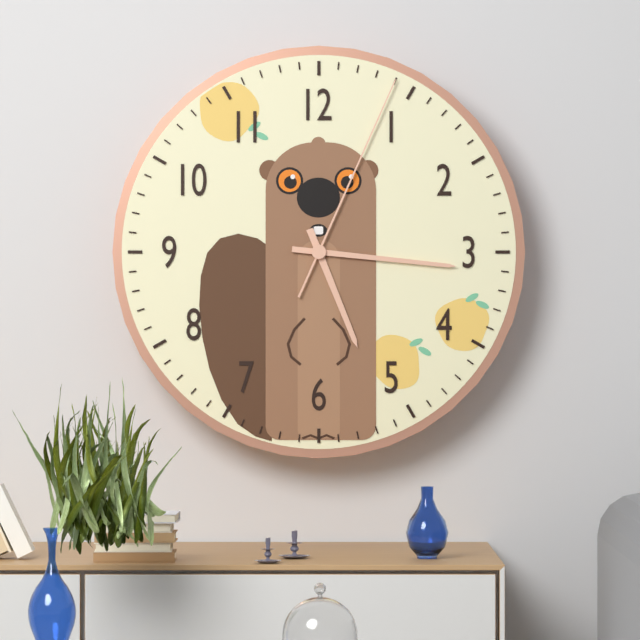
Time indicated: **5:16:04**
